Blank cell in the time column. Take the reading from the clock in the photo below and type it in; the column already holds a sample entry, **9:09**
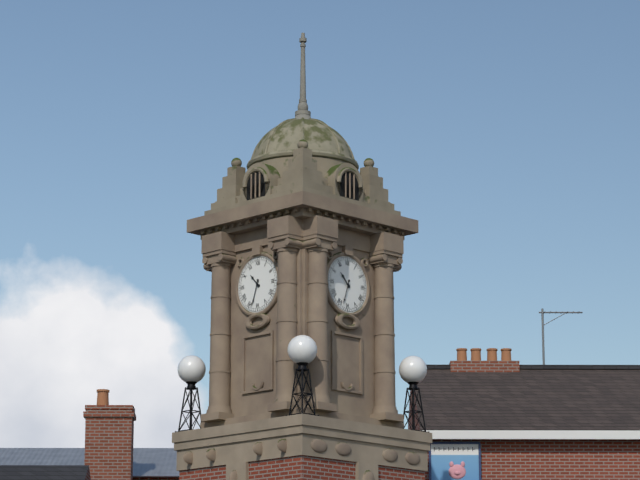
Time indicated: **10:33**
